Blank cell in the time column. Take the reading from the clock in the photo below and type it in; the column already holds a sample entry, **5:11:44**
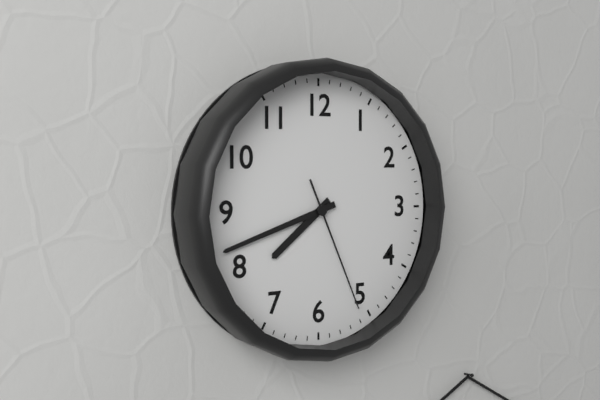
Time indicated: **7:42:26**
